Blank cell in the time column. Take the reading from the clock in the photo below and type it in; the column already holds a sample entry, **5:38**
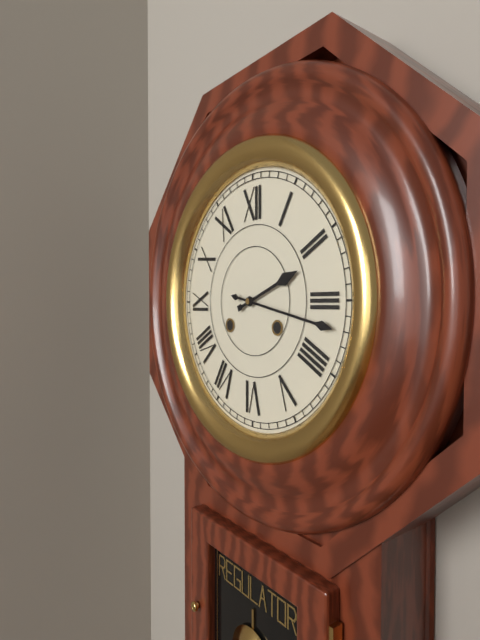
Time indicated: **2:17**
